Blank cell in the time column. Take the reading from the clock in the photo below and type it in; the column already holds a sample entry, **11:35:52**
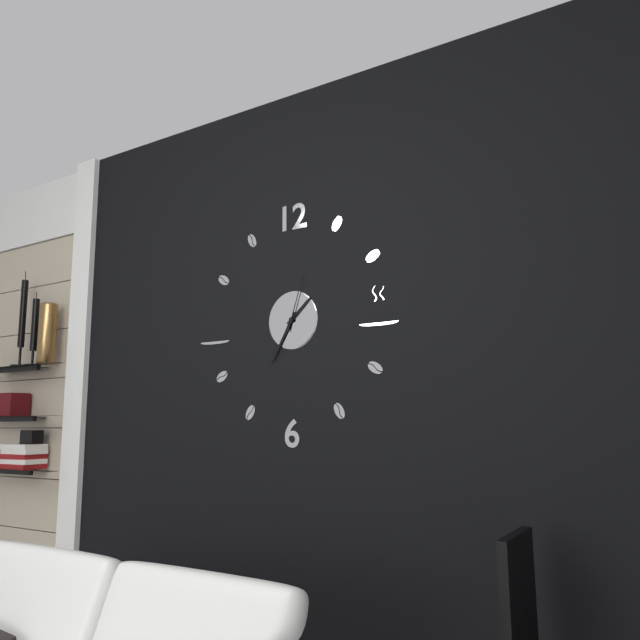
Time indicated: **1:35:03**
